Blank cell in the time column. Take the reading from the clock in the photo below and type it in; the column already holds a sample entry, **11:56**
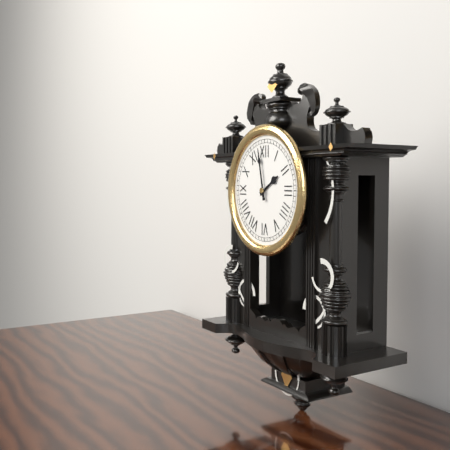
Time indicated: **1:58**
